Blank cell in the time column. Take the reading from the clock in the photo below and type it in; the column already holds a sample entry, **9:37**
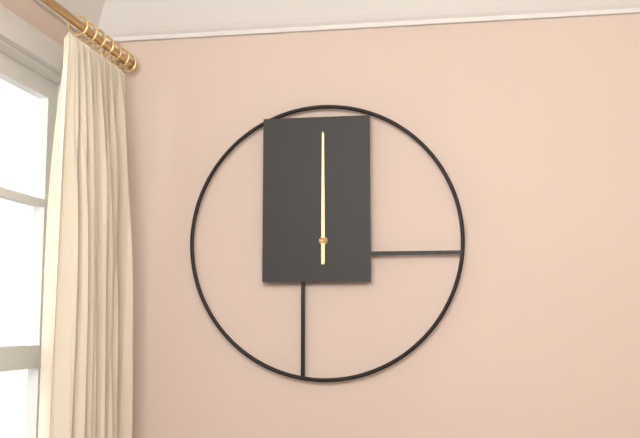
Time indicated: **12:00**
